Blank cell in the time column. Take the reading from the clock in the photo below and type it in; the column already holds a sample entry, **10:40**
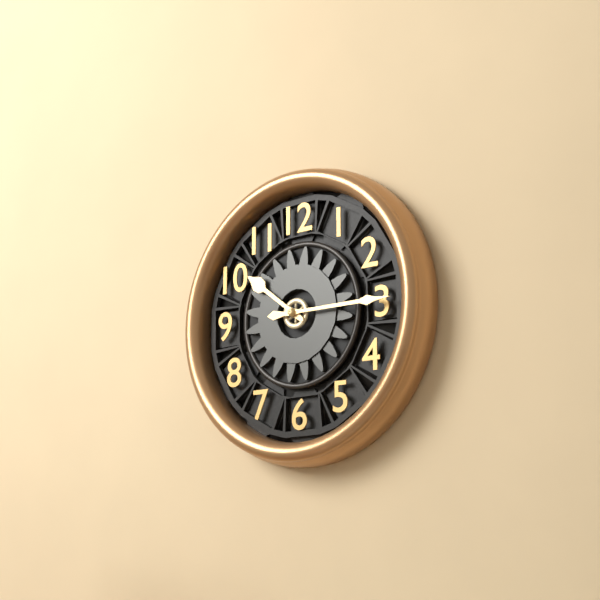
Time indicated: **10:15**
